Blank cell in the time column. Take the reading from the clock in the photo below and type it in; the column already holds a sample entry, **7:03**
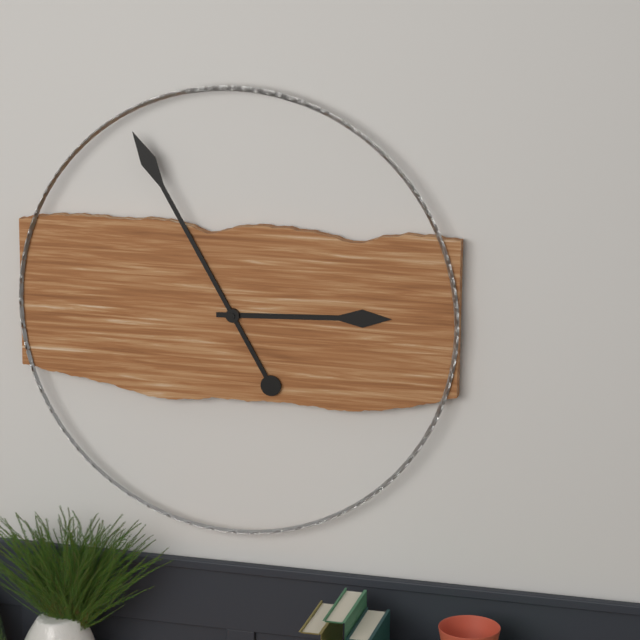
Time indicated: **2:55**
